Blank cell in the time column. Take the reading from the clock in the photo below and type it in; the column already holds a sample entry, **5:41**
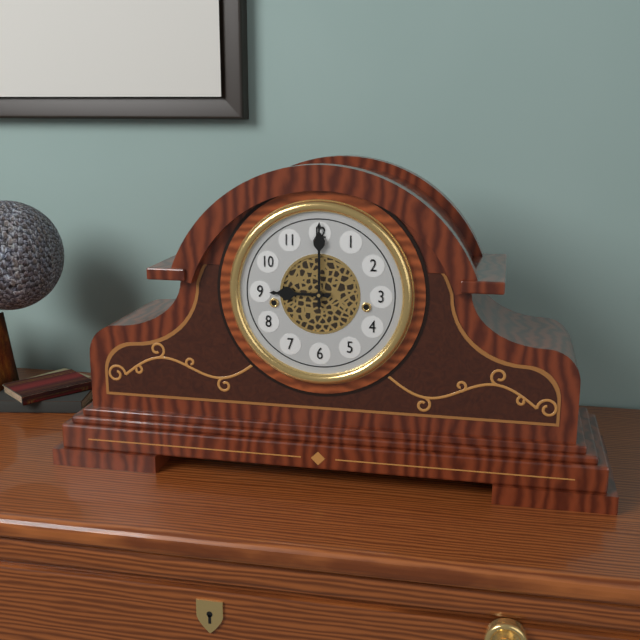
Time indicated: **9:00**
